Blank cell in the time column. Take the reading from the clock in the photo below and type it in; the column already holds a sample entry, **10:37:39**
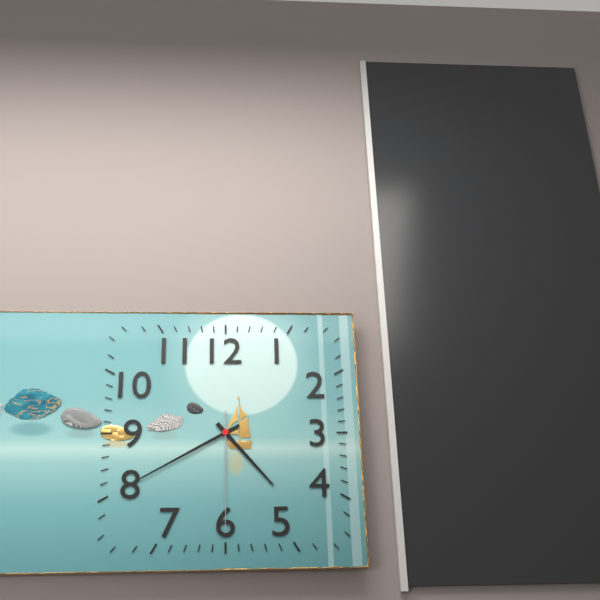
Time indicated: **4:40:30**
